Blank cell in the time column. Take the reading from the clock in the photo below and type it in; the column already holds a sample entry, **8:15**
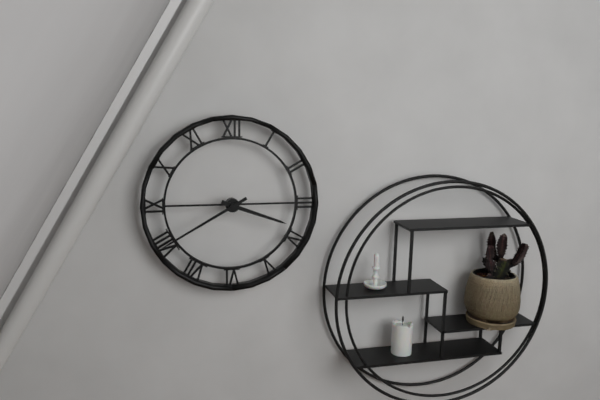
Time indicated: **3:40**
